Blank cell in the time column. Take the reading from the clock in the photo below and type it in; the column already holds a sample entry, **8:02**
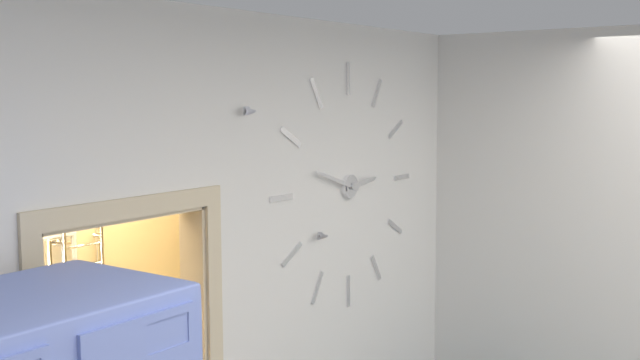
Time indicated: **2:48**
